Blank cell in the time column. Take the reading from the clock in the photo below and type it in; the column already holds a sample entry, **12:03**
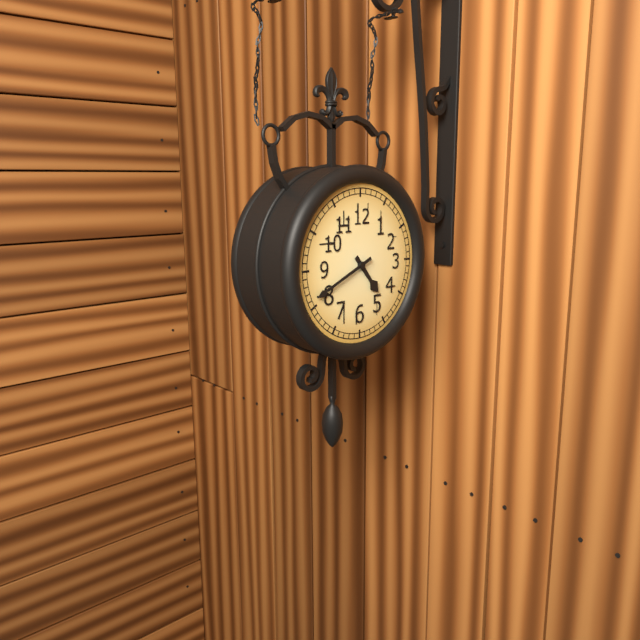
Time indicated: **4:41**
